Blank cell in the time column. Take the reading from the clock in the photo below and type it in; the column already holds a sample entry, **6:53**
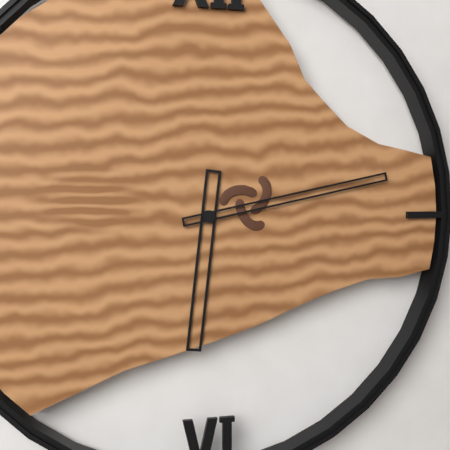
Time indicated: **6:13**
